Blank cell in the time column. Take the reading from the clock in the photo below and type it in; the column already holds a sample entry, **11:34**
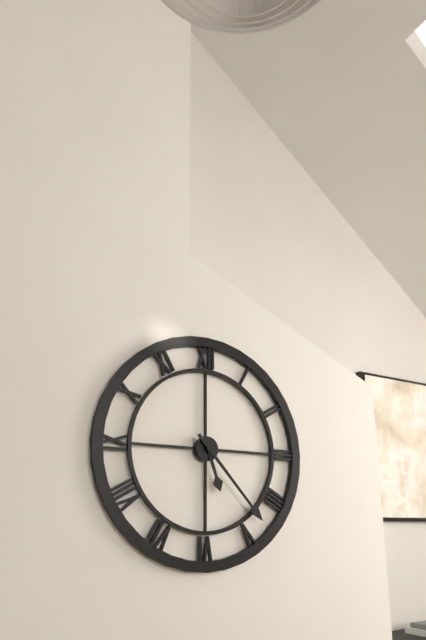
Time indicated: **5:23**
